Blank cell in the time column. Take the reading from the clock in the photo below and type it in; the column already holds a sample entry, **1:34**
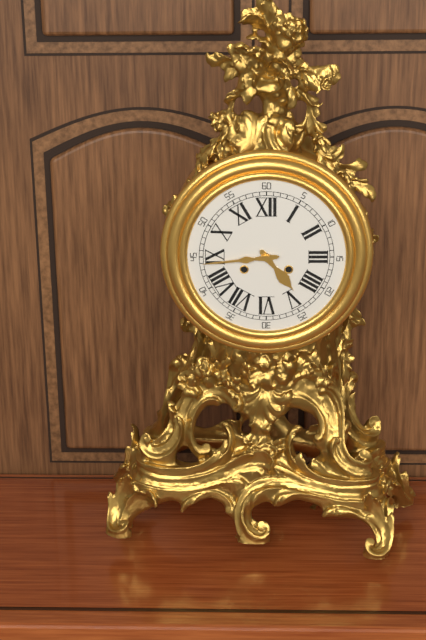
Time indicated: **4:44**
